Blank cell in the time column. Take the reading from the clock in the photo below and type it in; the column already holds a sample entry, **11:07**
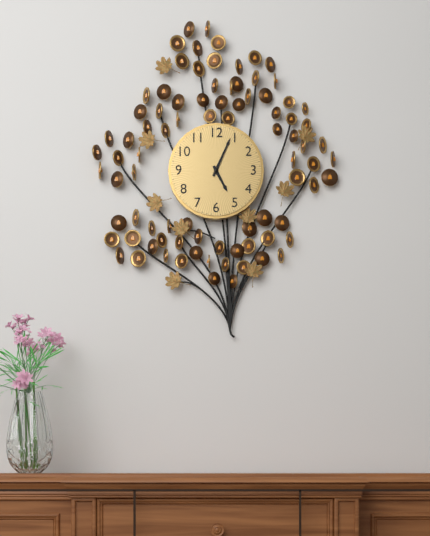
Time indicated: **5:04**
